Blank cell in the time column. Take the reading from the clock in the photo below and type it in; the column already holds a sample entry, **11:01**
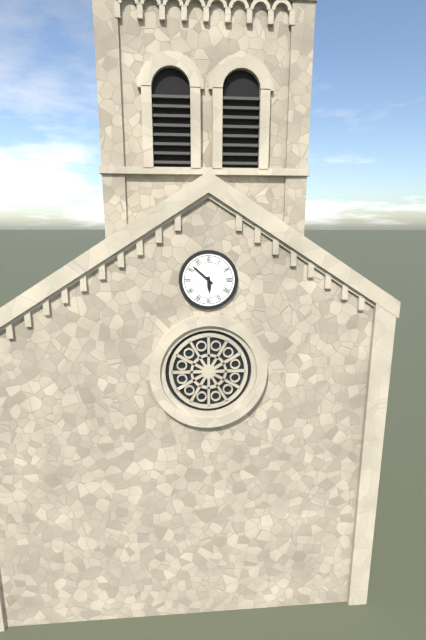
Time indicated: **5:52**
